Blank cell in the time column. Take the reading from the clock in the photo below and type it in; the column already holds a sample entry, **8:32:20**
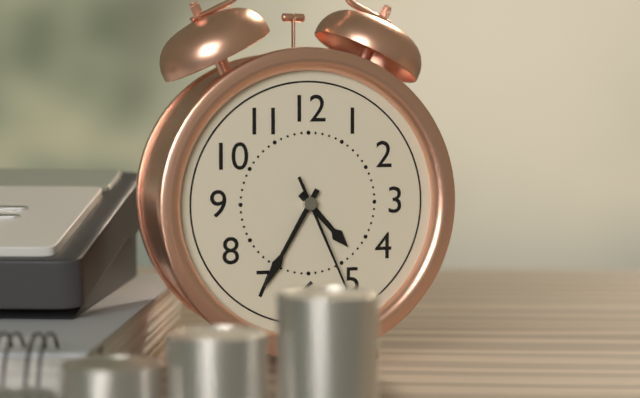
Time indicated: **4:35:26**
